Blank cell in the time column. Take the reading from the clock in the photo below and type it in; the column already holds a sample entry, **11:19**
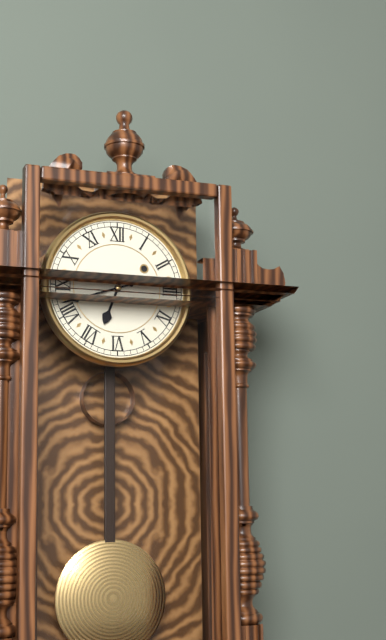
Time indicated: **6:42**
